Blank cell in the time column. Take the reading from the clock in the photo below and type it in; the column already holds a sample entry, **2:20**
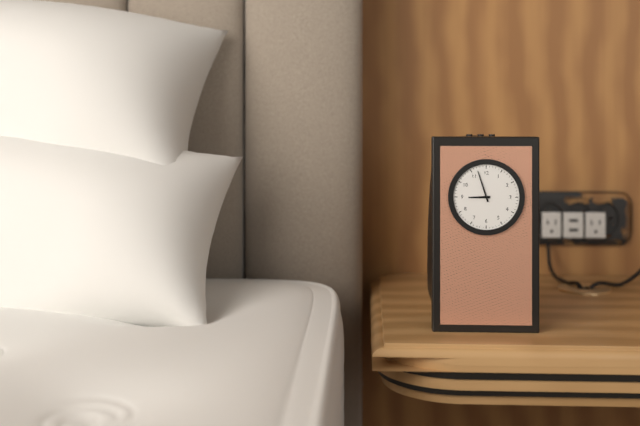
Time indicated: **8:57**
